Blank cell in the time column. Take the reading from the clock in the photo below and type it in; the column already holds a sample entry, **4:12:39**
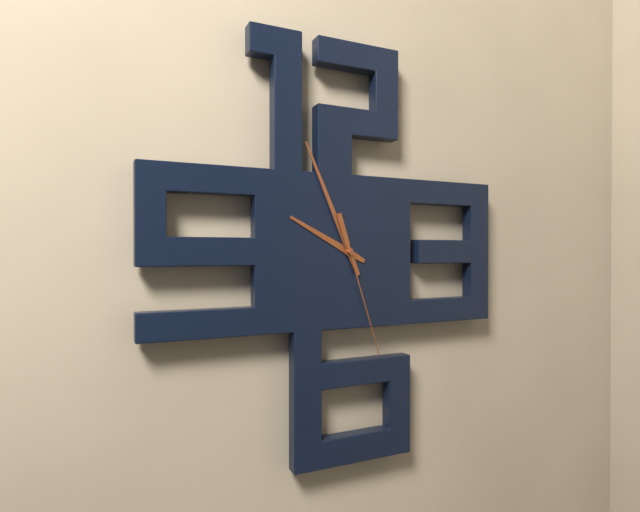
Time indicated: **9:56:27**
